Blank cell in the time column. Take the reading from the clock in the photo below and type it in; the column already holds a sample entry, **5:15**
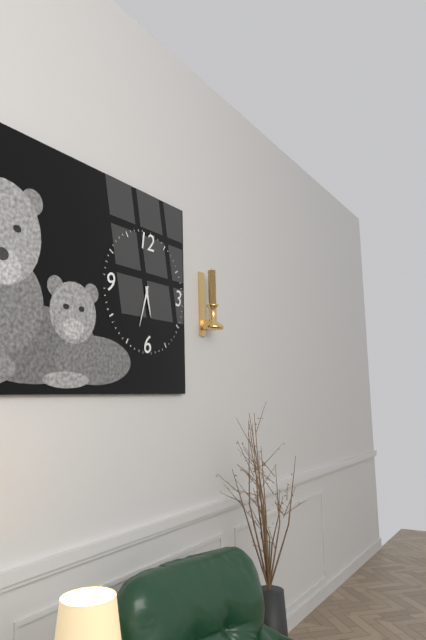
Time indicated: **5:33**
